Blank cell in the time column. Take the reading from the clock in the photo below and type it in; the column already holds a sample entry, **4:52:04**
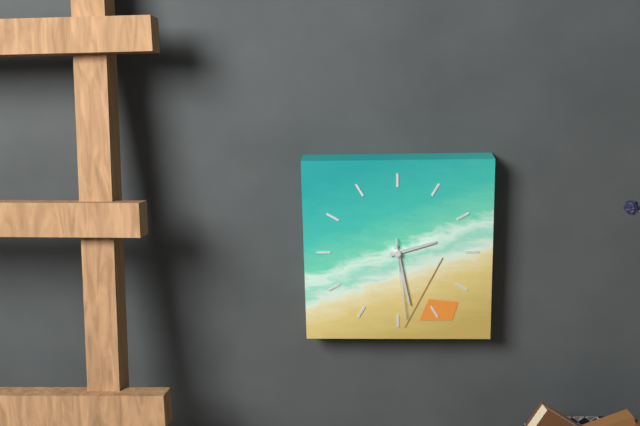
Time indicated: **2:28:29**
